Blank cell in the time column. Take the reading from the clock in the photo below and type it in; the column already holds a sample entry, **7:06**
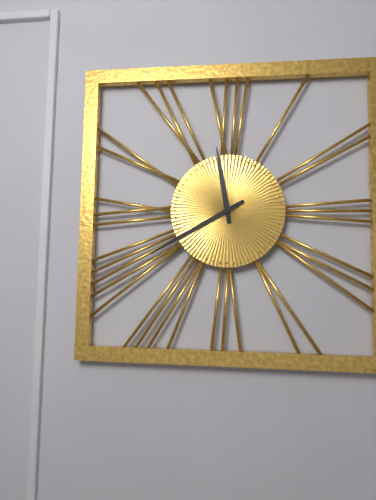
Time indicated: **11:40**
